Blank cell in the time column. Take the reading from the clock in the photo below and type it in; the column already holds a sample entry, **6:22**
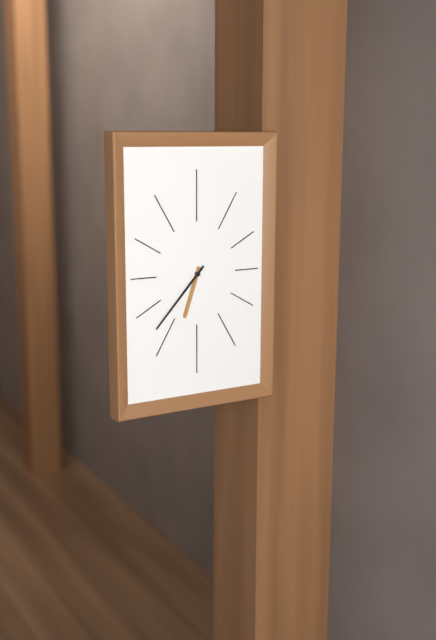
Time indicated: **6:37**
